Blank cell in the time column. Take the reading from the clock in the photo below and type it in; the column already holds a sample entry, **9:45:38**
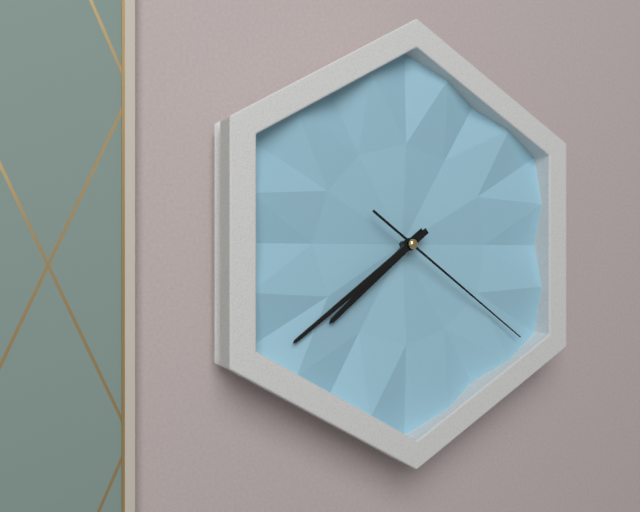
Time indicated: **7:39:21**
